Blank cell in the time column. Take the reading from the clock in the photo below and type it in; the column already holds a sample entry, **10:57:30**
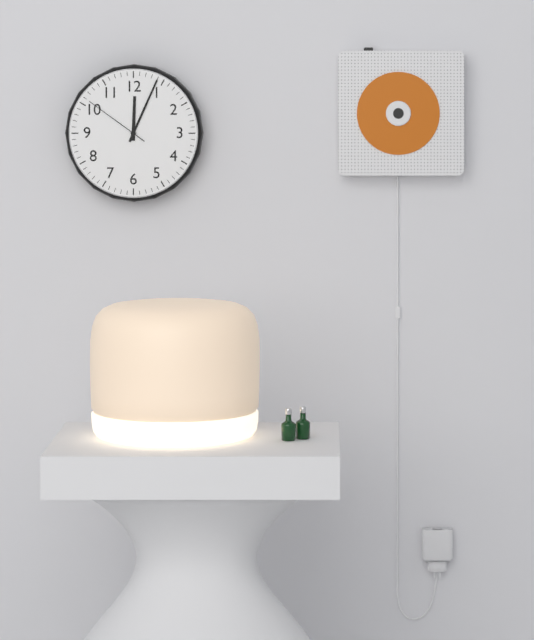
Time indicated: **12:04:51**
